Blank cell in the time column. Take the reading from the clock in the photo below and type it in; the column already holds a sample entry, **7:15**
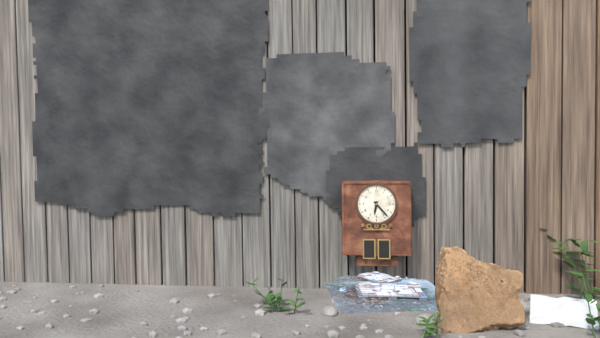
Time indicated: **6:23**
